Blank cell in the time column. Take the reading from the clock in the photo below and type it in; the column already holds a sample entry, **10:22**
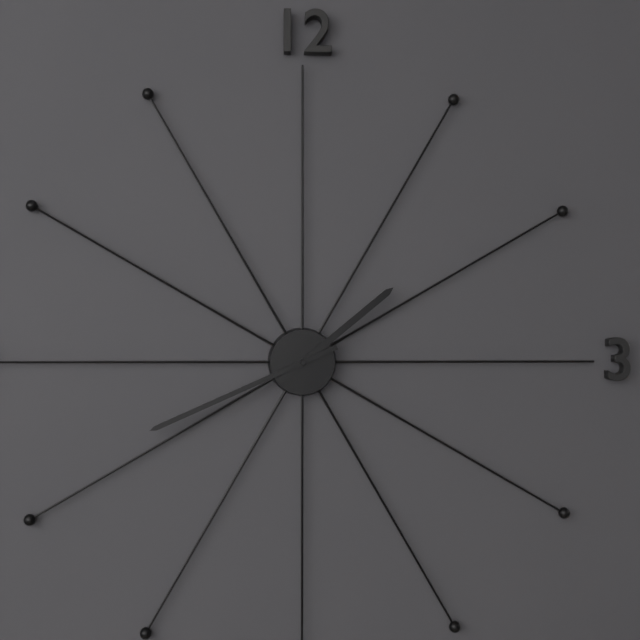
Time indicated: **1:41**
